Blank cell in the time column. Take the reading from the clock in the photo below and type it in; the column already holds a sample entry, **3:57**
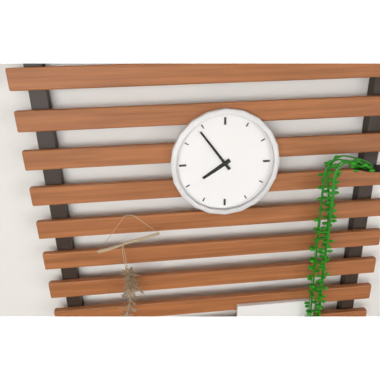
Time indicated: **7:54**
